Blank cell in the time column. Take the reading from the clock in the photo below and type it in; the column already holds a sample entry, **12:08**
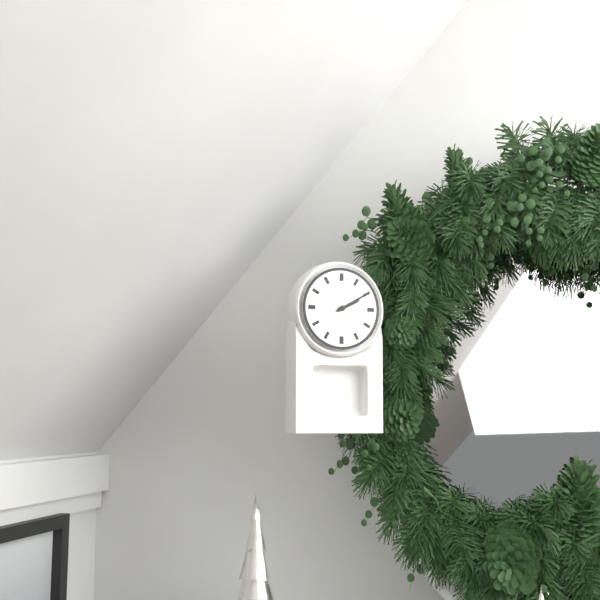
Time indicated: **2:10**
